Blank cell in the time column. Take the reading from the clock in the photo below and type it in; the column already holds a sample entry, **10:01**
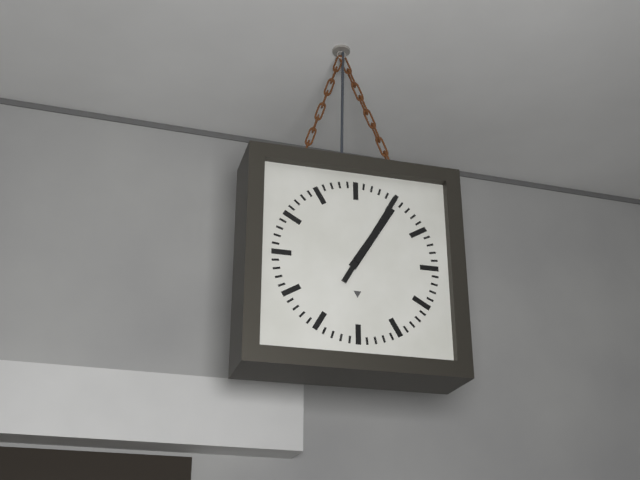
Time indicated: **1:05**
